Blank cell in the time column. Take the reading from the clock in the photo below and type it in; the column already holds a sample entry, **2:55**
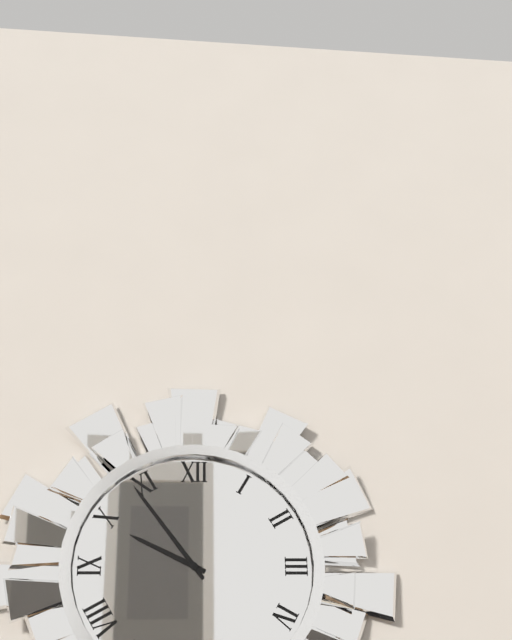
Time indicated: **9:54**
